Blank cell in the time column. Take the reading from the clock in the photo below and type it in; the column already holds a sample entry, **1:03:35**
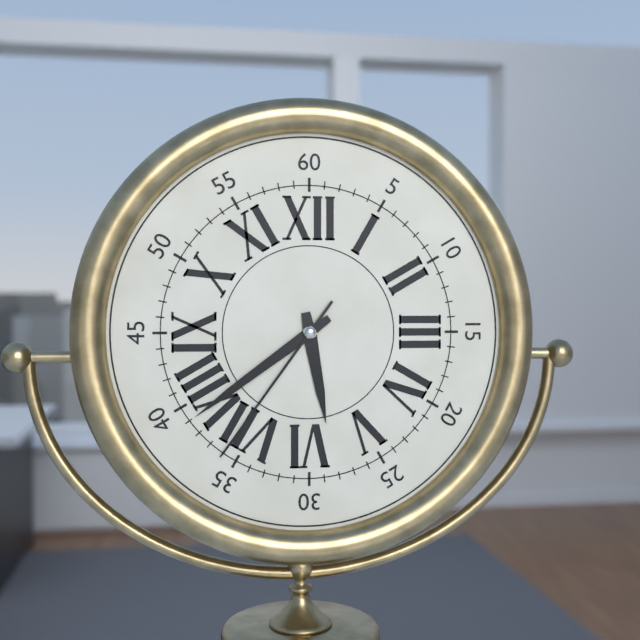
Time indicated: **5:39:36**
